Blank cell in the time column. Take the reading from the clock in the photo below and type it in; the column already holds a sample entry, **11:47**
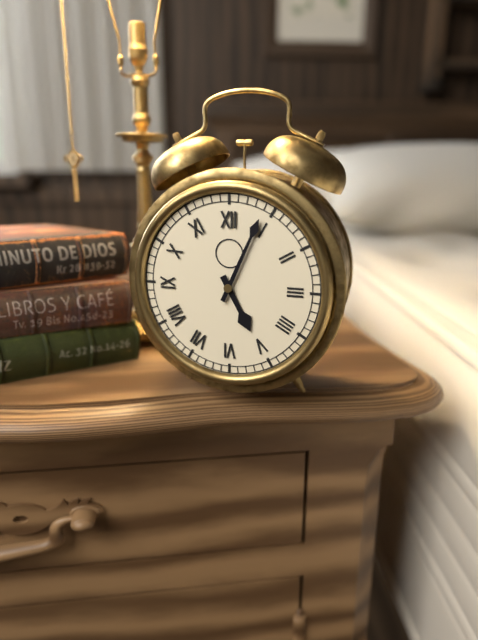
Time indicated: **5:04**
